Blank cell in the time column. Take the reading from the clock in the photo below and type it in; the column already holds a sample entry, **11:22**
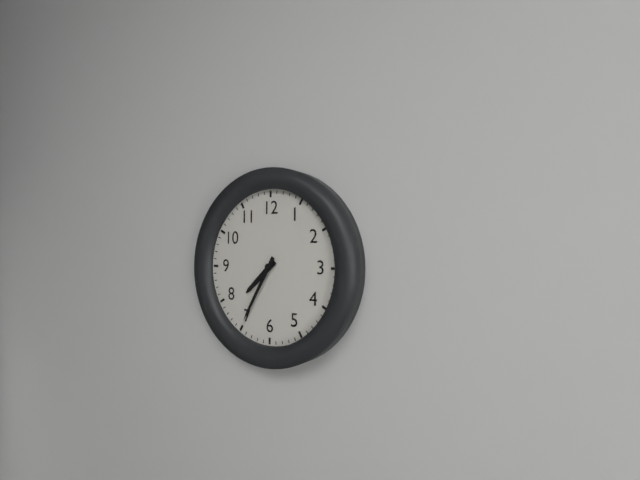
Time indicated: **7:35**
